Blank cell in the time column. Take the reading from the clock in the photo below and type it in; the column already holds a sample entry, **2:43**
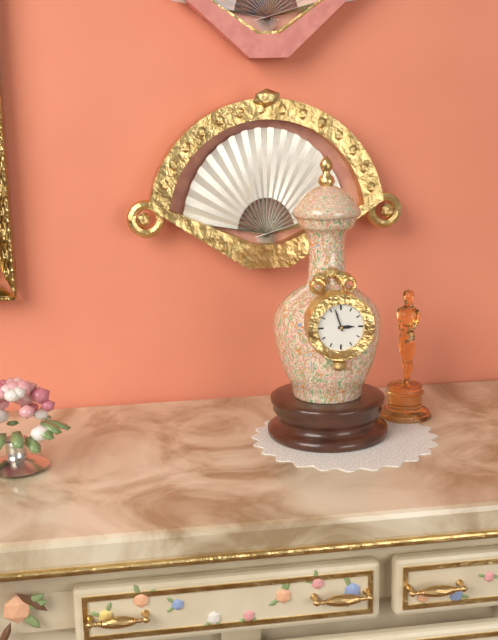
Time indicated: **2:57**
